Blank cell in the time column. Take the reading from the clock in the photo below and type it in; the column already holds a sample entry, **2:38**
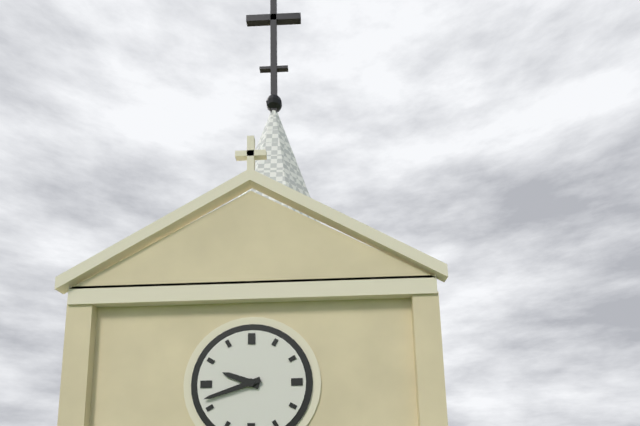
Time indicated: **9:42**
